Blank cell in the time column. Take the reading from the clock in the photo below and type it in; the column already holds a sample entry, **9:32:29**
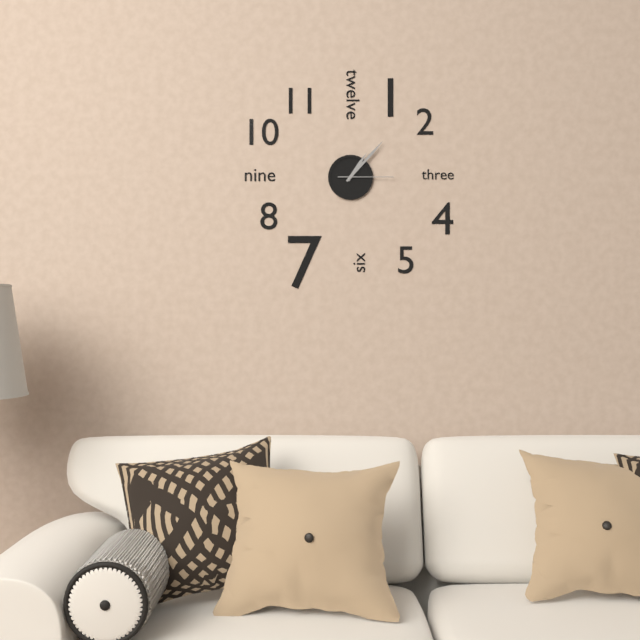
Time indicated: **1:07:15**
